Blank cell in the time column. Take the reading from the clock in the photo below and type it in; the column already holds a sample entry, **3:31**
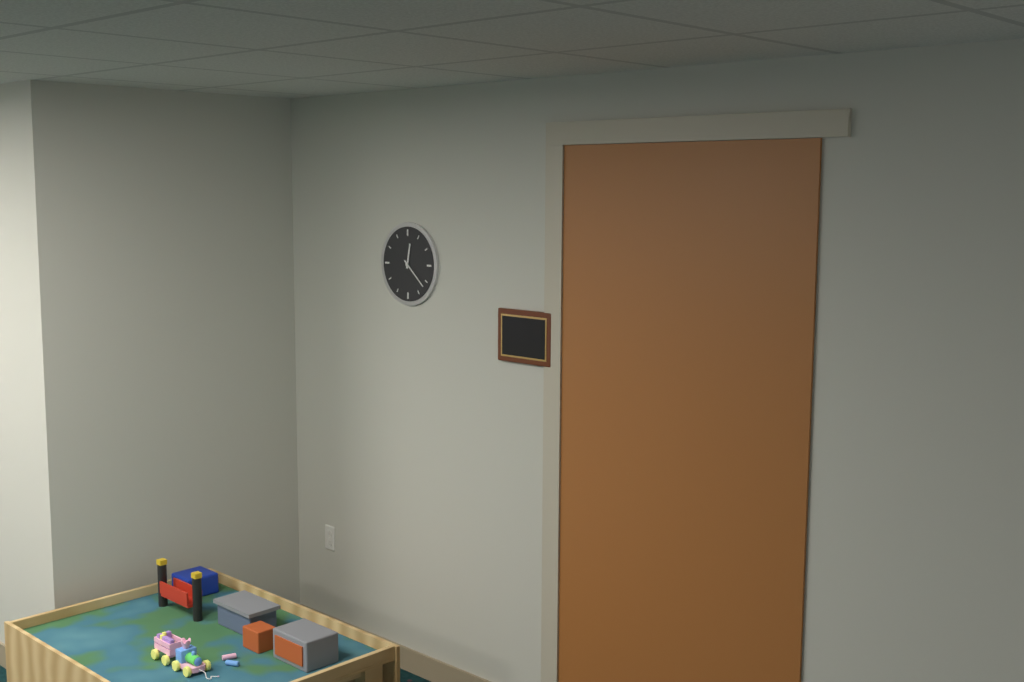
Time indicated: **12:22**
